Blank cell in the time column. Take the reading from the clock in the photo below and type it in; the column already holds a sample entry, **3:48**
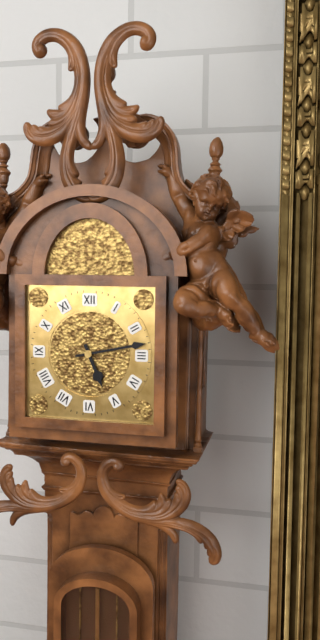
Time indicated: **5:13**
